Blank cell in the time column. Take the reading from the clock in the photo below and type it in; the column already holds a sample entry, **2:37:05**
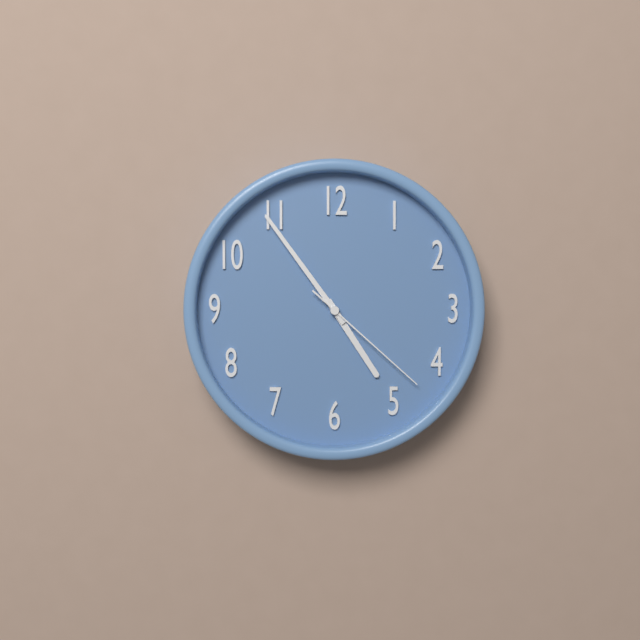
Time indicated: **4:54:22**
